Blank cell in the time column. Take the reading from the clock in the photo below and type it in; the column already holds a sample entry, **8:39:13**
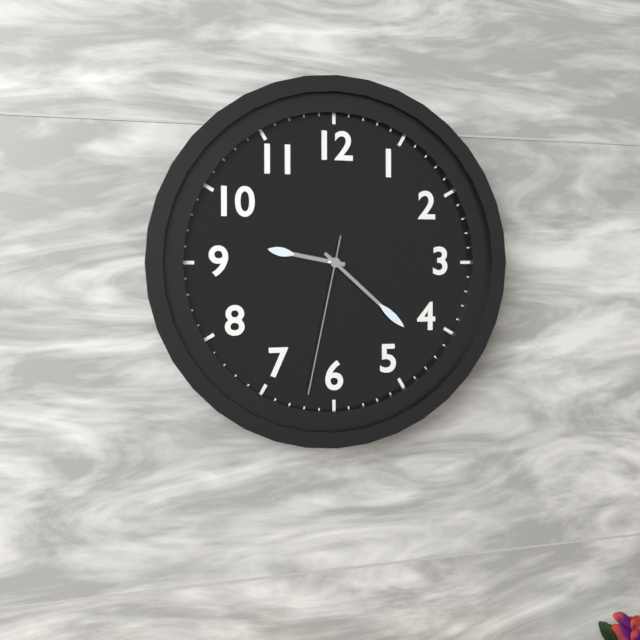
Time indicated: **9:22:32**
